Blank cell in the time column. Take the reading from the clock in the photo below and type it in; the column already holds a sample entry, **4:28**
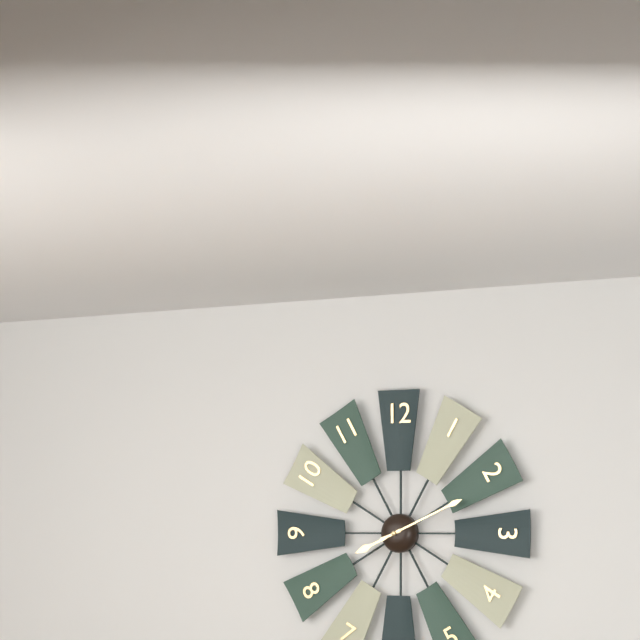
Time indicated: **8:11**
